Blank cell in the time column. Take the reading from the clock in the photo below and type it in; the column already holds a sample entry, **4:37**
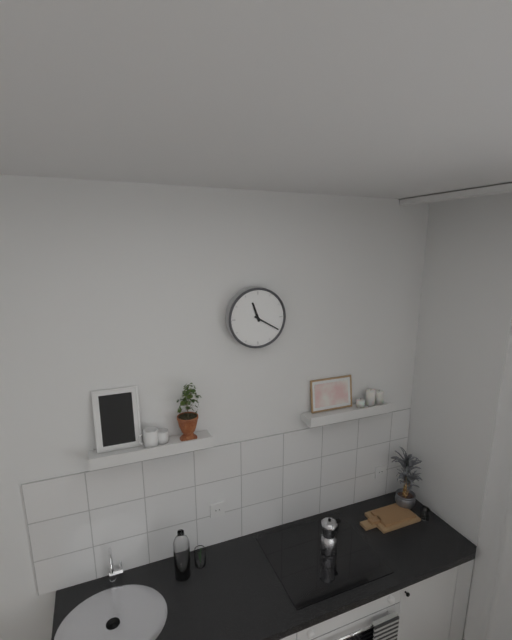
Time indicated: **11:20**
